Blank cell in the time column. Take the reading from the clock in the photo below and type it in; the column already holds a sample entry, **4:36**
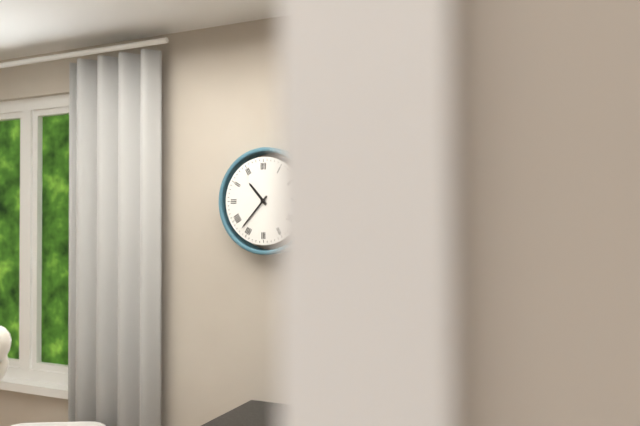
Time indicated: **10:37**
